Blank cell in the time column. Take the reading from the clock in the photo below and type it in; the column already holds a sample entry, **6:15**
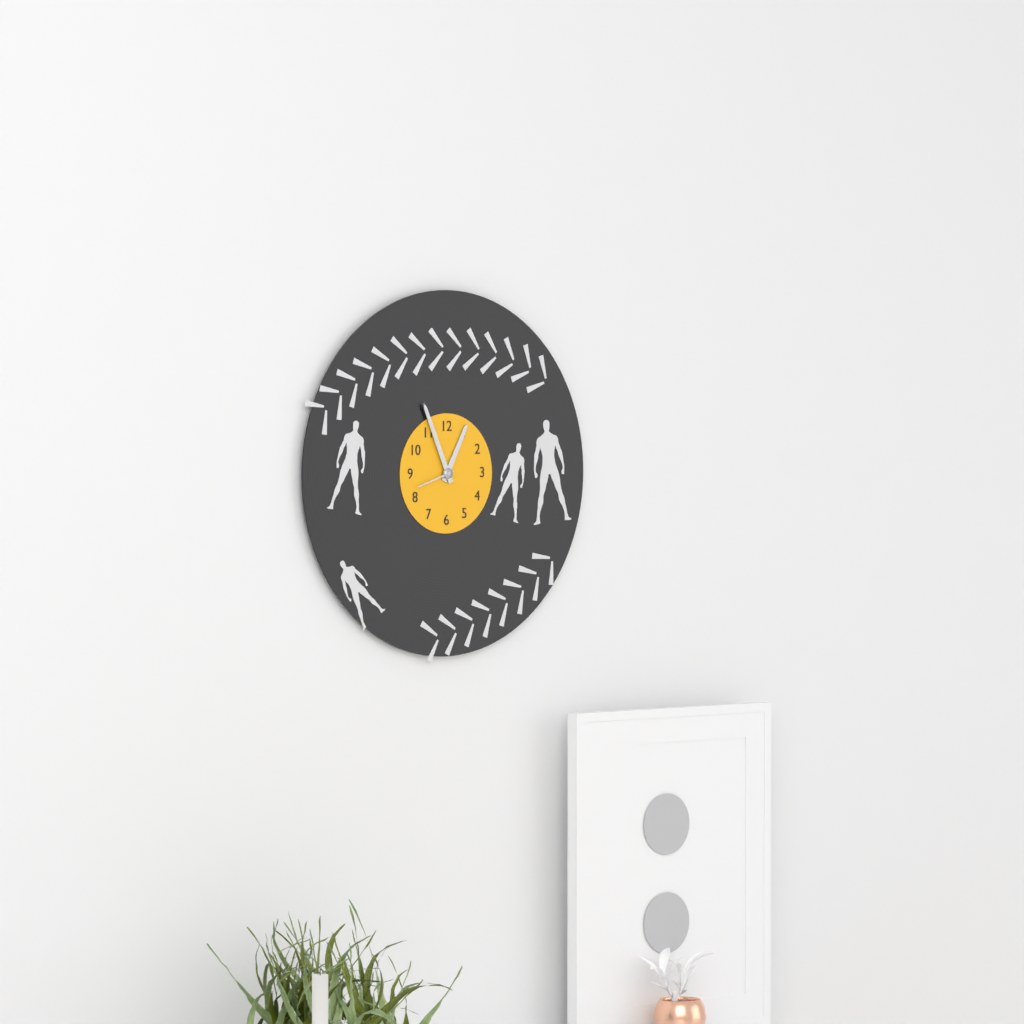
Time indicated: **12:56**
